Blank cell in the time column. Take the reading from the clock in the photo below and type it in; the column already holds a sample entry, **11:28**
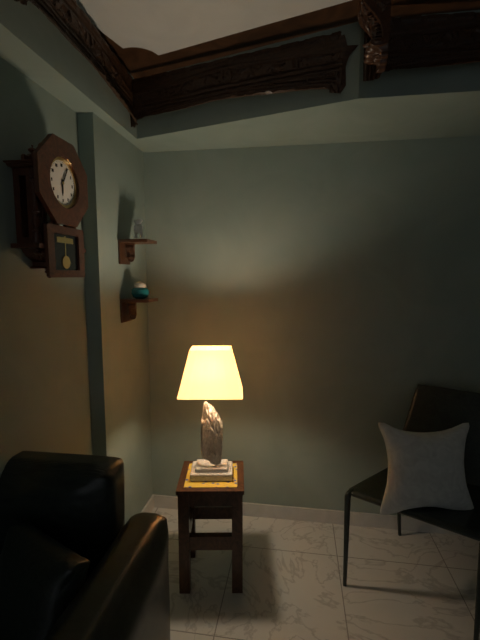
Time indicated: **6:05**
